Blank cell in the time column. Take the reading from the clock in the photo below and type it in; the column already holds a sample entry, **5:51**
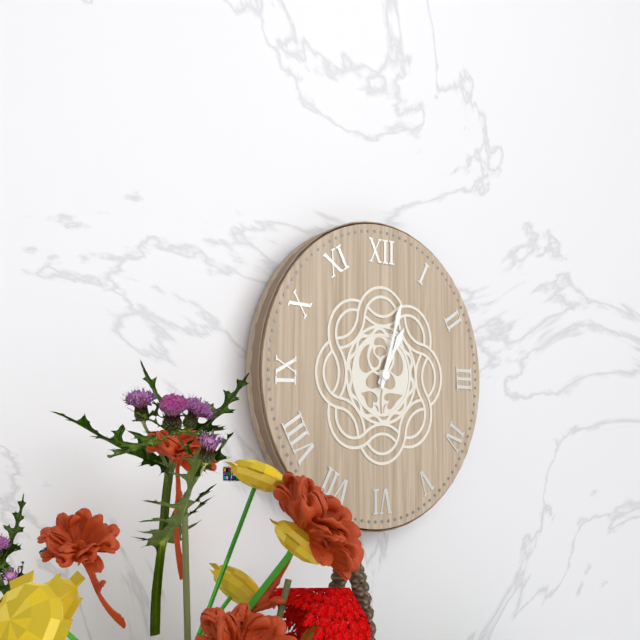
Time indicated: **1:03**
